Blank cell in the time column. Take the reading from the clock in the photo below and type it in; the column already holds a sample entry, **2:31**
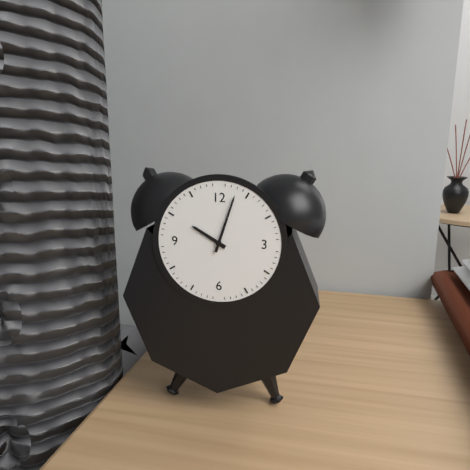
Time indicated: **10:03**
